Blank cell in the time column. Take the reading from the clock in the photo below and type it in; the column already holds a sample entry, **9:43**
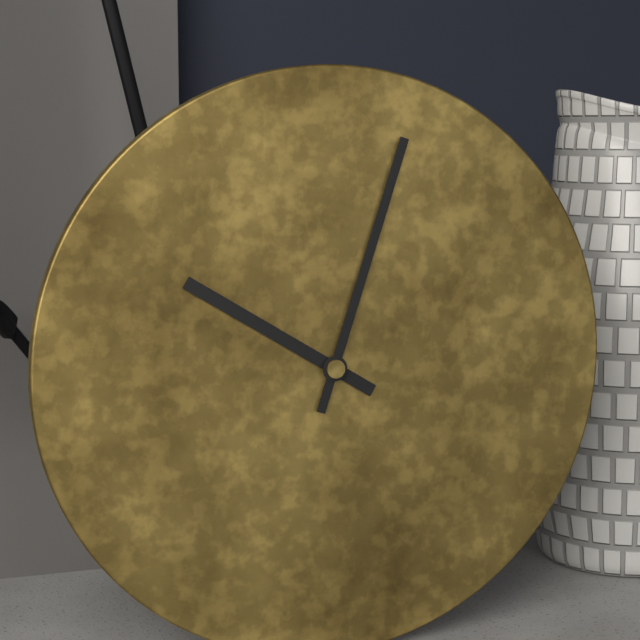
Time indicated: **10:03**
